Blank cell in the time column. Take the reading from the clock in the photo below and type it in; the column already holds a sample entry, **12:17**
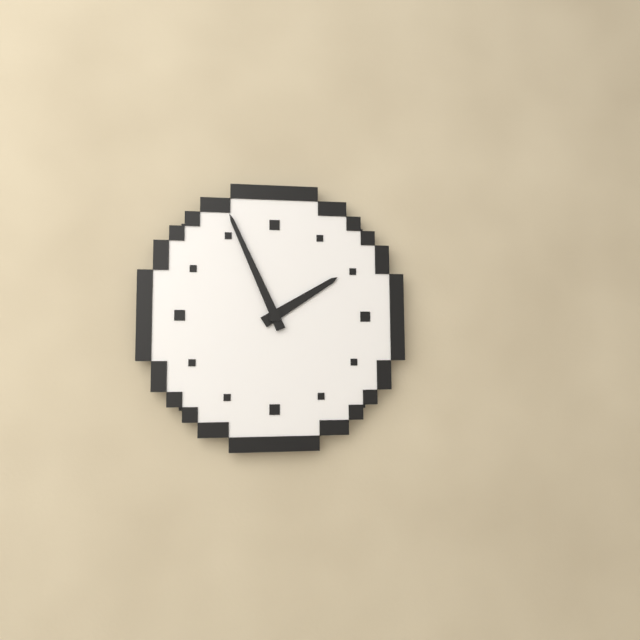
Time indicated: **1:56**
